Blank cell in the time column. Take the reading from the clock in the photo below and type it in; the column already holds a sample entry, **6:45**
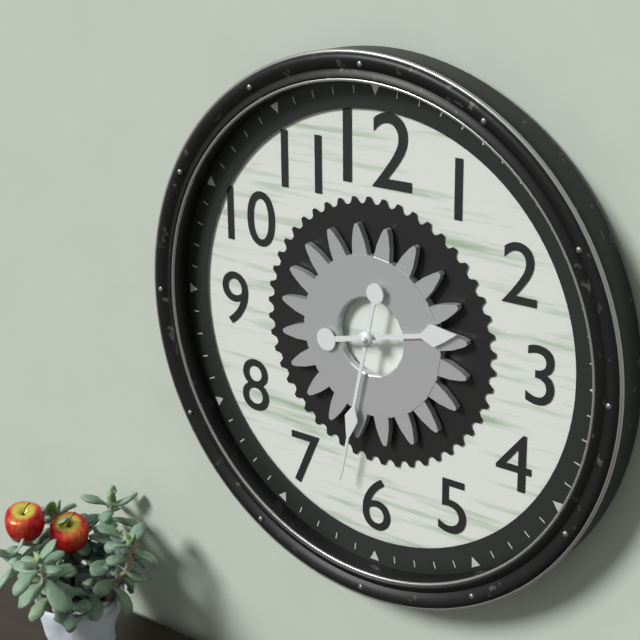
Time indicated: **2:32**
